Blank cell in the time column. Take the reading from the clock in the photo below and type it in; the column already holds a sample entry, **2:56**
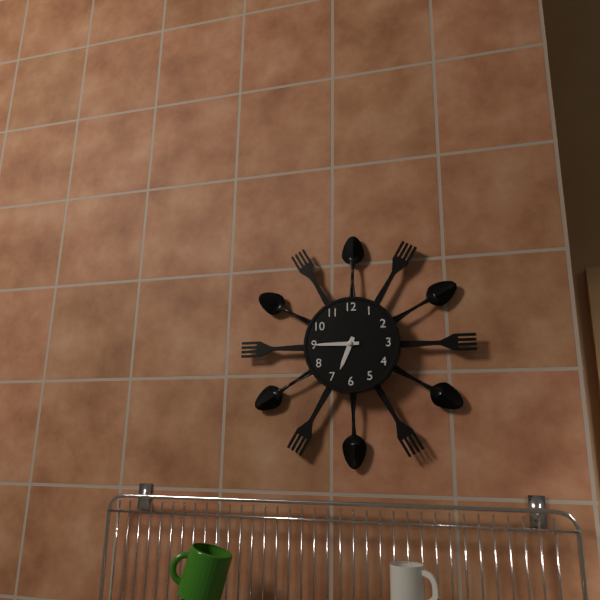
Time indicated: **6:45**
